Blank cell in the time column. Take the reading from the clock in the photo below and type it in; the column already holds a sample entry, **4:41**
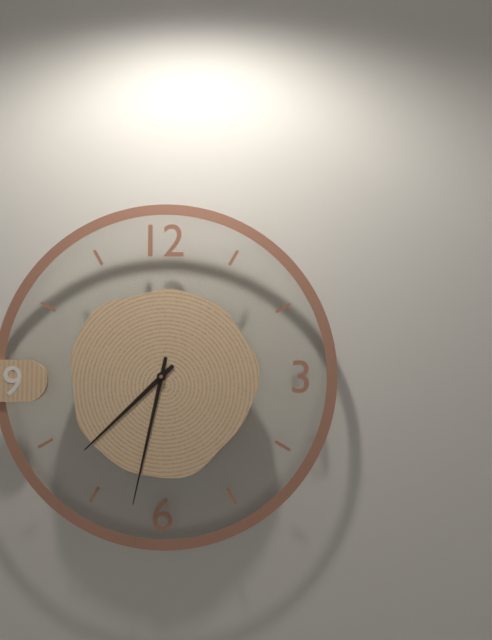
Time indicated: **7:32**
